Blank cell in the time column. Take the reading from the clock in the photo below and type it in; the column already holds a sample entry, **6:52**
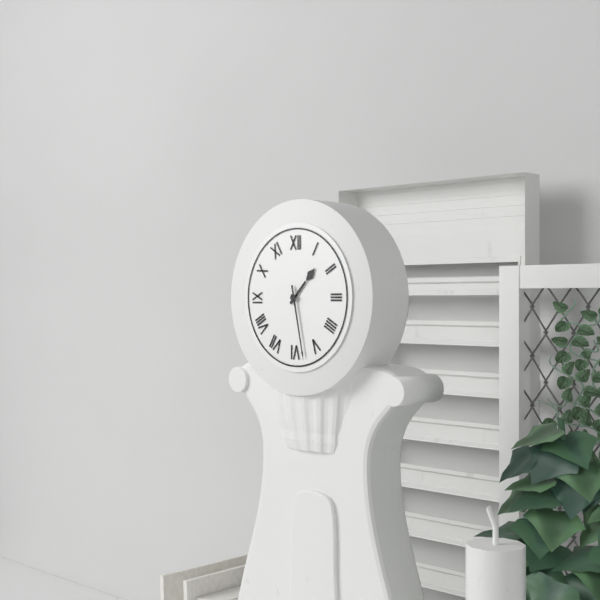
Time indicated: **1:28**
